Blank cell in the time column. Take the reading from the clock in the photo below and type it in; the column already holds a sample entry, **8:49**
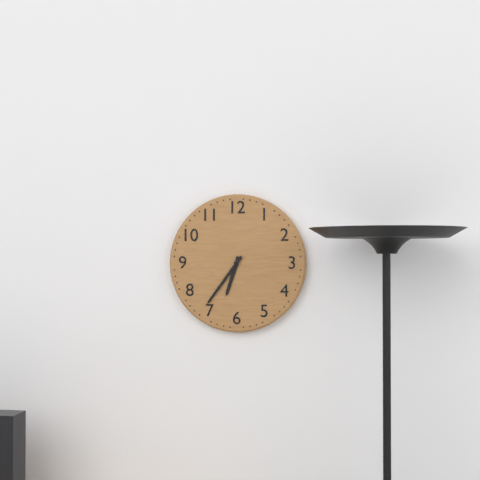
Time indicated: **6:36**
